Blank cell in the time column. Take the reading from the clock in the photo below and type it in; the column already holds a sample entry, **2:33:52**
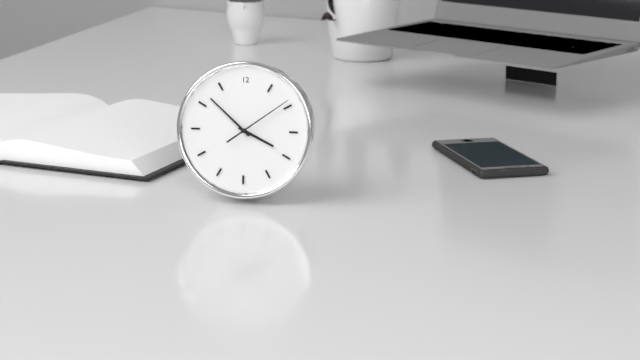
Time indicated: **3:52:09**
